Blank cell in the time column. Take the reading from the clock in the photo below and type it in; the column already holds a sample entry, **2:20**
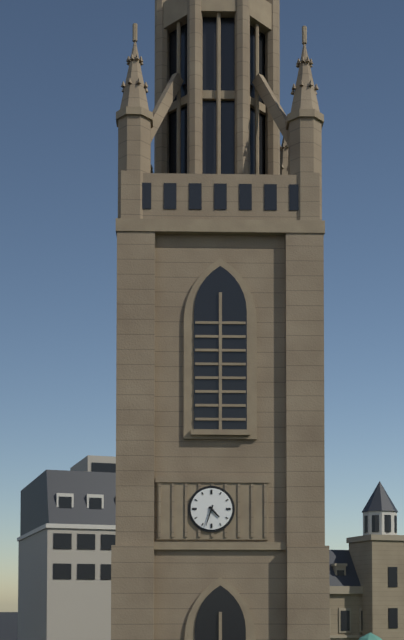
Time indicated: **4:33**
